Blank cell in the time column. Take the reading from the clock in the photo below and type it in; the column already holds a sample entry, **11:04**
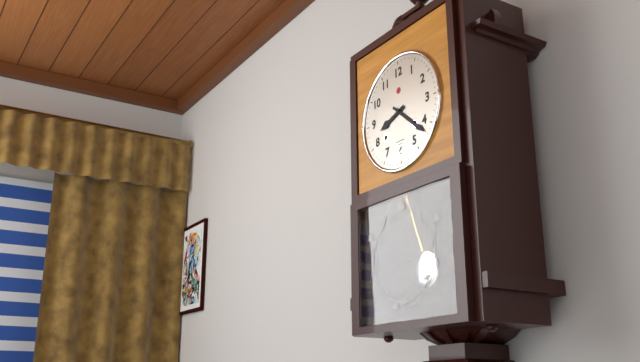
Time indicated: **8:22**
